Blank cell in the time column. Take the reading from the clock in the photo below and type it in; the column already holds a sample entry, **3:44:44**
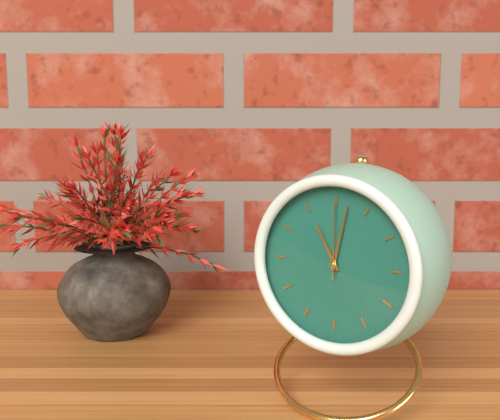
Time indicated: **11:02:00**
